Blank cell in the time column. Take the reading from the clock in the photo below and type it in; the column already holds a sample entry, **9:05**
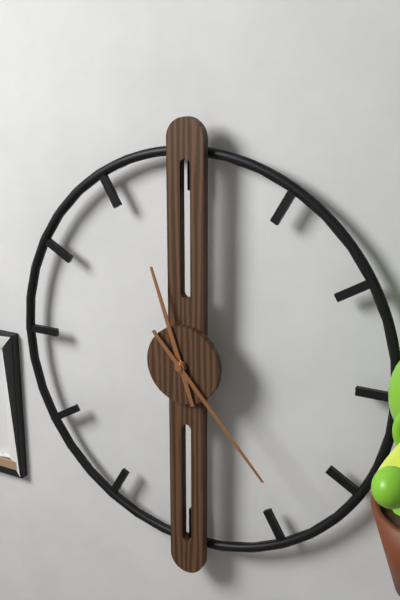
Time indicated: **11:23**
